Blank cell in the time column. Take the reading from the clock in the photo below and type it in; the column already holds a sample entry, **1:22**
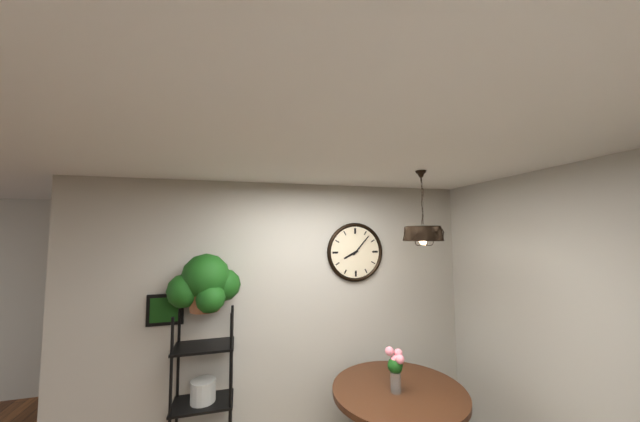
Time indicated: **8:07**
